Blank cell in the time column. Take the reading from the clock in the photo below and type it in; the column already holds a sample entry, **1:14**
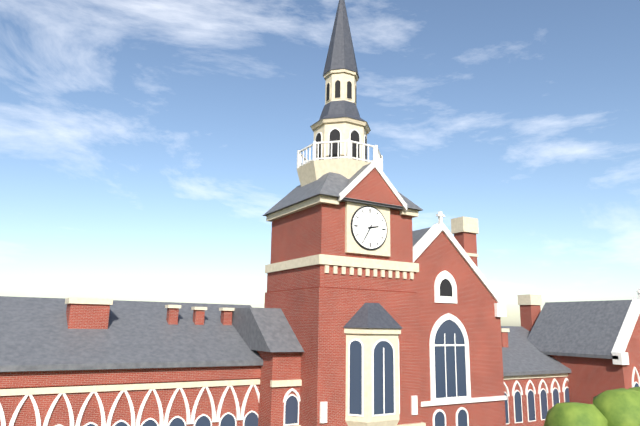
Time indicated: **2:35**
